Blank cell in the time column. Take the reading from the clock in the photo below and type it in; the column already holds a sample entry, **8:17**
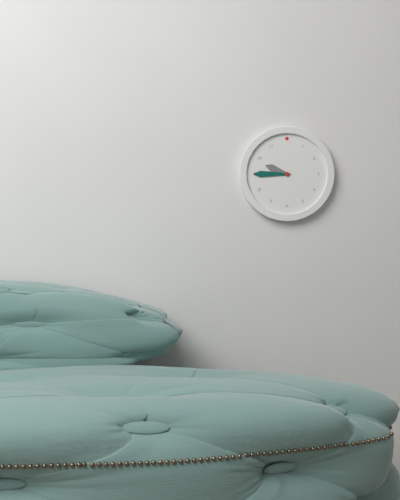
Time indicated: **9:45**
